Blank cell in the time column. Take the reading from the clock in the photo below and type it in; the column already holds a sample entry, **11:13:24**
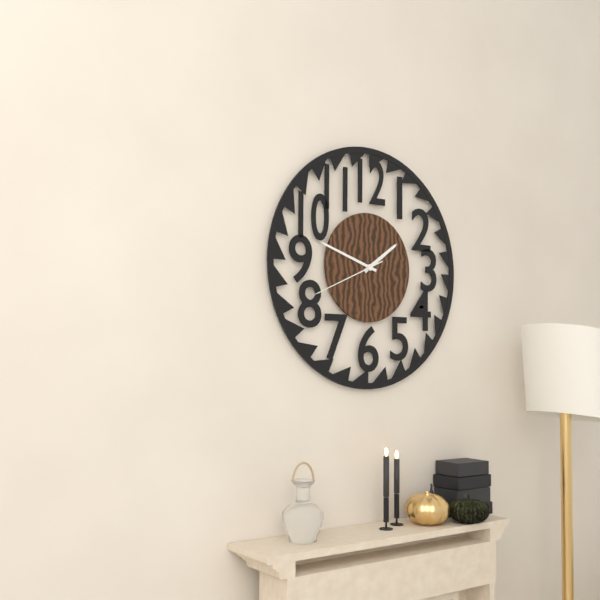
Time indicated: **1:48:41**
